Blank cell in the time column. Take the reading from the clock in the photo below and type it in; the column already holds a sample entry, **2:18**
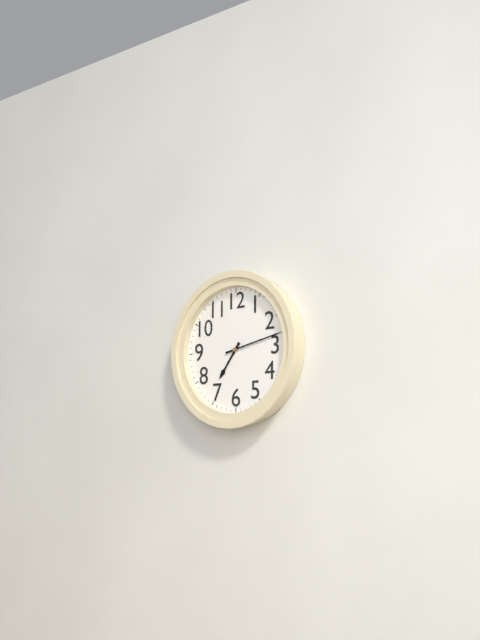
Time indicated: **7:13**
